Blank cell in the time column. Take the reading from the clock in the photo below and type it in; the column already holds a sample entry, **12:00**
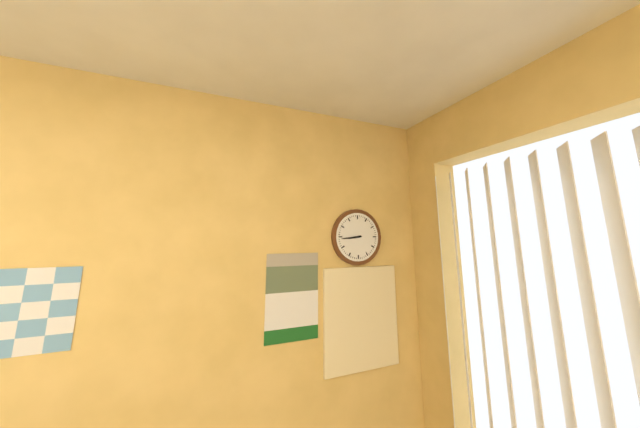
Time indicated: **8:44**
